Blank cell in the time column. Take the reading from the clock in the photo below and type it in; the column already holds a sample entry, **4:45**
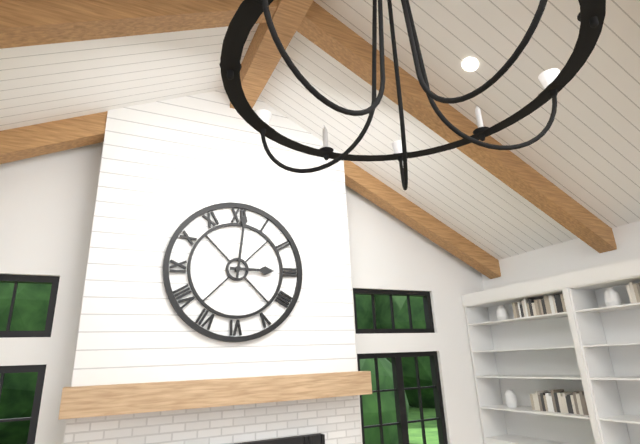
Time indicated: **3:01**
